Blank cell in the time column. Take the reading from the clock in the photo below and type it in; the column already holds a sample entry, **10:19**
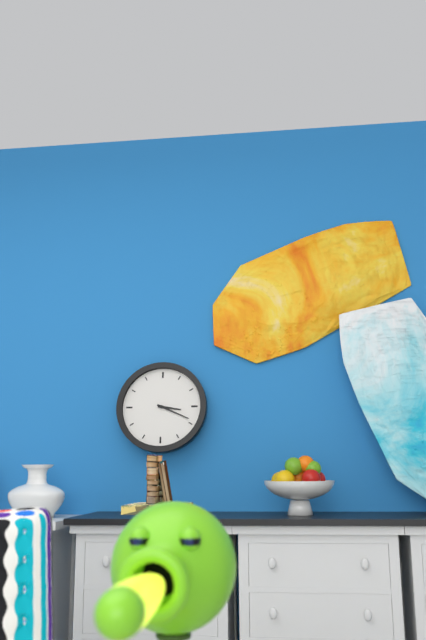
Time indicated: **3:19**
